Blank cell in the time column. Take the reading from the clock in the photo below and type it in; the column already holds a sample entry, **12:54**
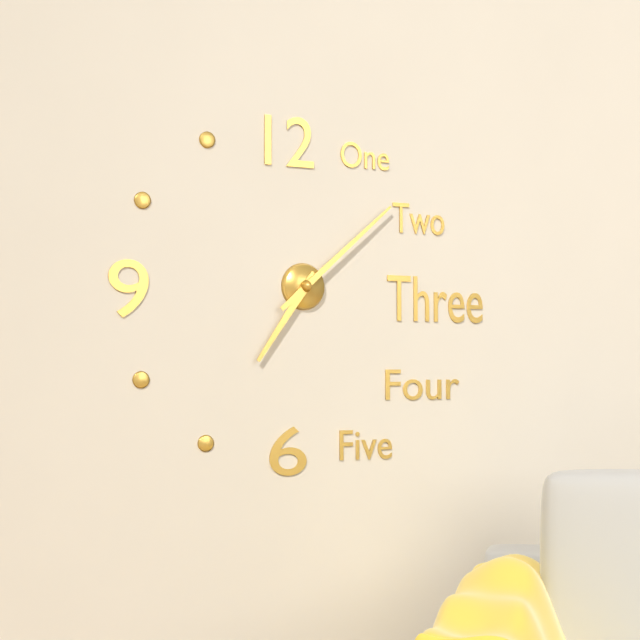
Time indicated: **7:08**
